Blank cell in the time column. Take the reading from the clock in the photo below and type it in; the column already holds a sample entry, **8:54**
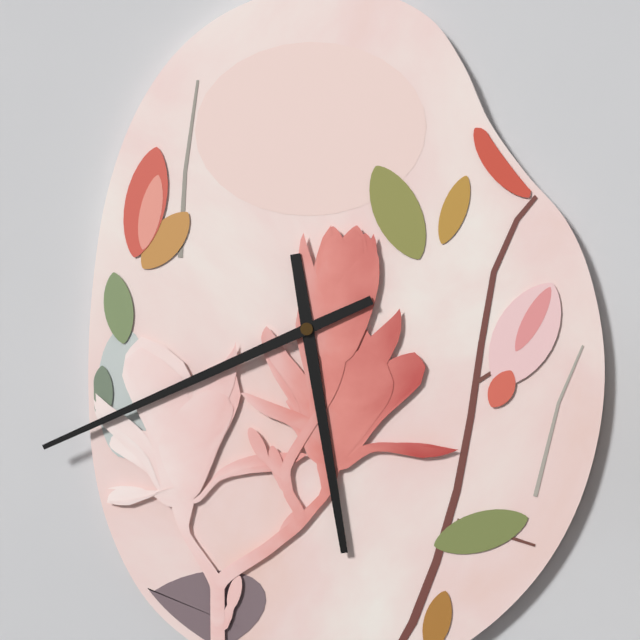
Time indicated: **5:41**
